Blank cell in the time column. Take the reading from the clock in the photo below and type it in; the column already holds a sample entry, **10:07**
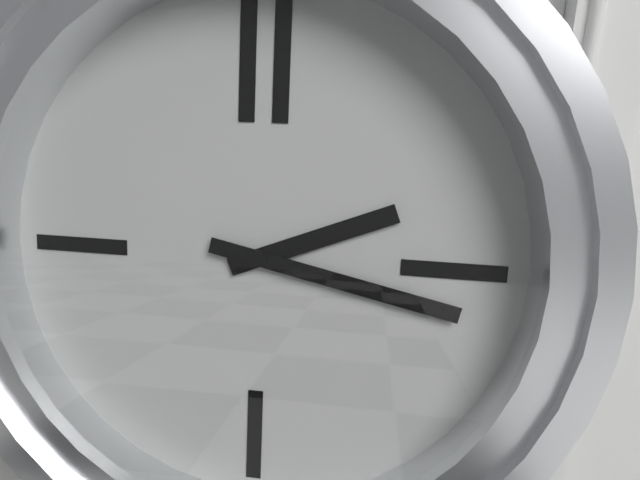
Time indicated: **2:17**
